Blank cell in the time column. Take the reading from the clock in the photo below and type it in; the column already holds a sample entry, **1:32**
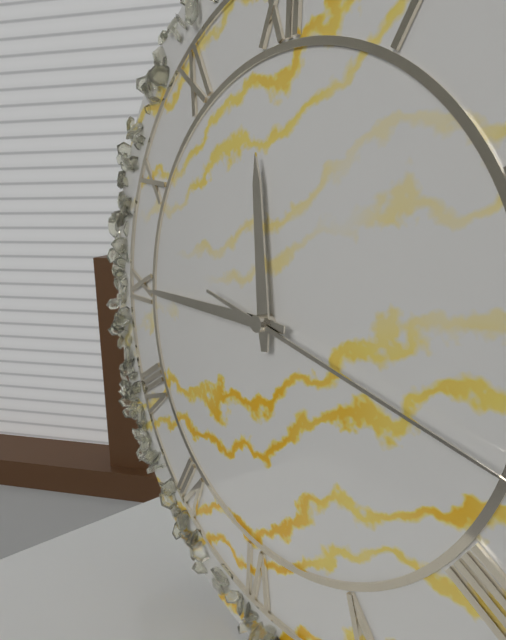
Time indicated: **11:45**
